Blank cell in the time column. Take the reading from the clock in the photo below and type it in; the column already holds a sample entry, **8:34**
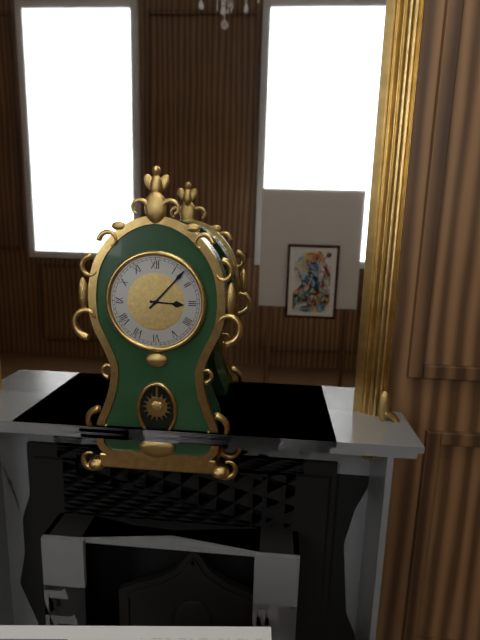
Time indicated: **3:07**
